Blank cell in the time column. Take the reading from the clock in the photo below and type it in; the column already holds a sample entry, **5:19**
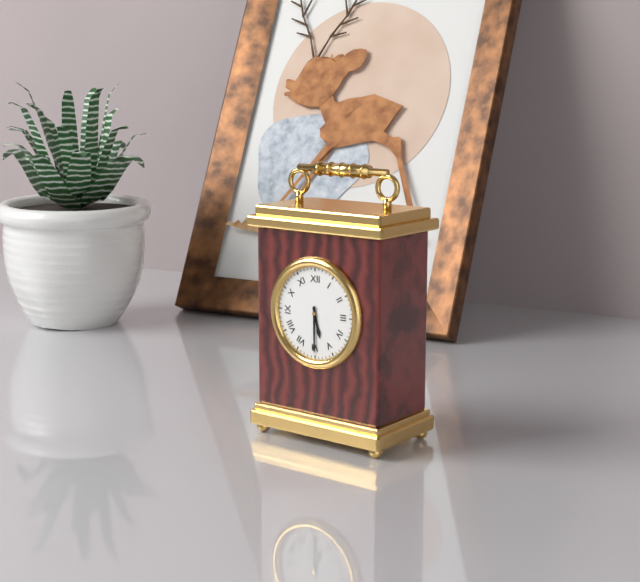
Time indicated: **5:30**
